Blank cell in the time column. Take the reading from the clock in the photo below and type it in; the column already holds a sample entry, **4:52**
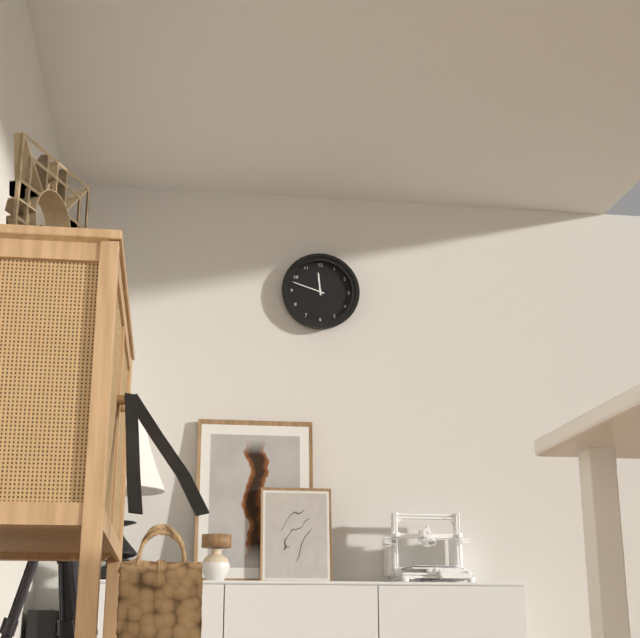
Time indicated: **11:48**
